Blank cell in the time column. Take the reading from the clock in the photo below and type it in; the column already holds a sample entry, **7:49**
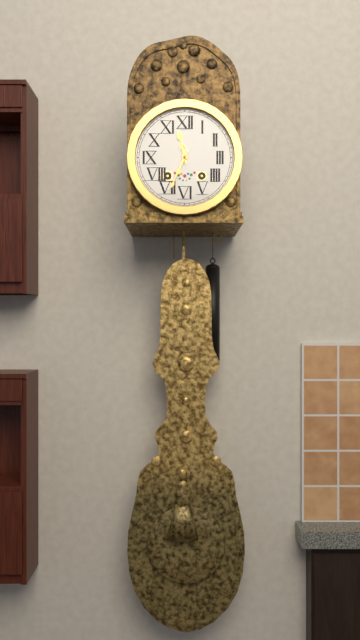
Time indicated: **11:34**
